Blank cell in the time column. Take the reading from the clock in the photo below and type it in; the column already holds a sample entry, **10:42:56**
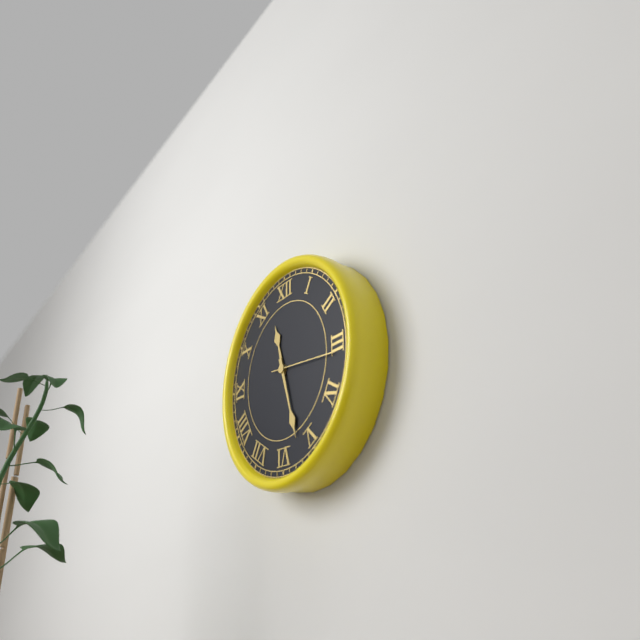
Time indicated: **11:27:16**
